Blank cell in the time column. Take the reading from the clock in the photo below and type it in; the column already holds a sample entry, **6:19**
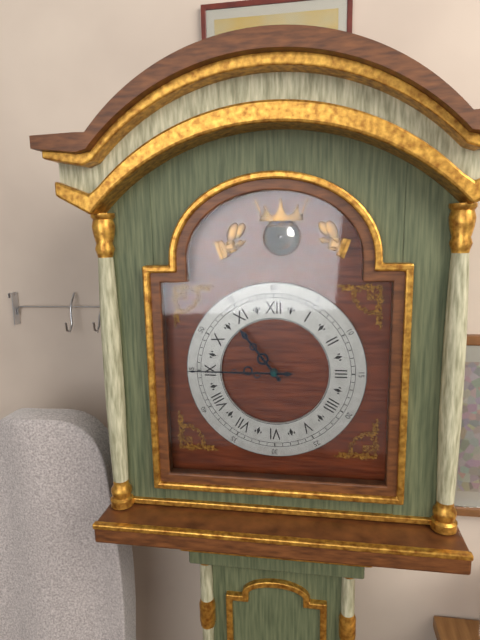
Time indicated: **10:45**
